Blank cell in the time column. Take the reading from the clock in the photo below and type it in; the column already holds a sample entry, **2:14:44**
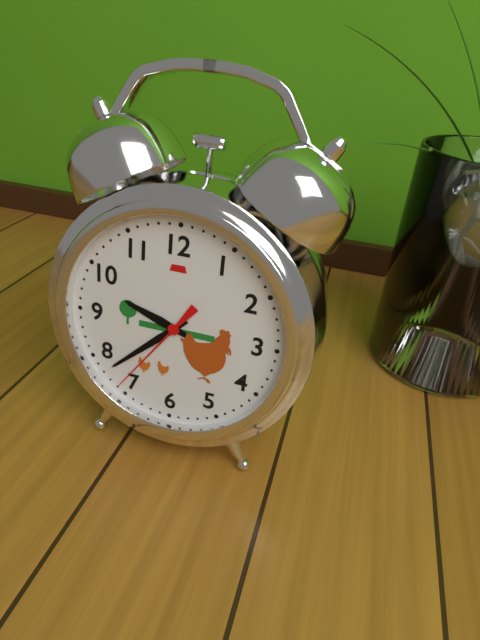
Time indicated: **9:38:36**
